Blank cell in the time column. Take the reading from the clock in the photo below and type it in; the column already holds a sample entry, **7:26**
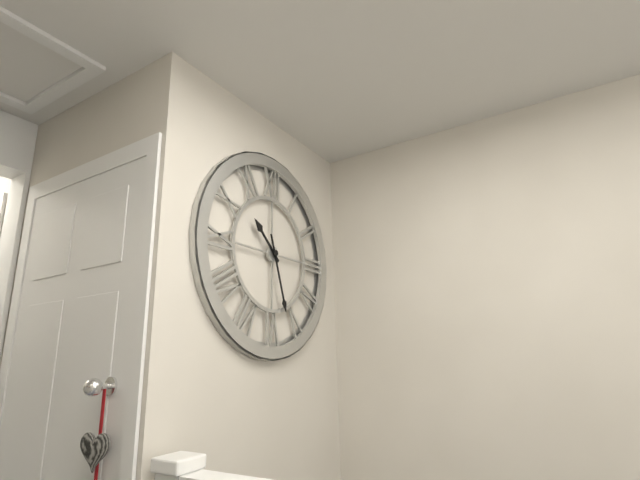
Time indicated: **10:27**
